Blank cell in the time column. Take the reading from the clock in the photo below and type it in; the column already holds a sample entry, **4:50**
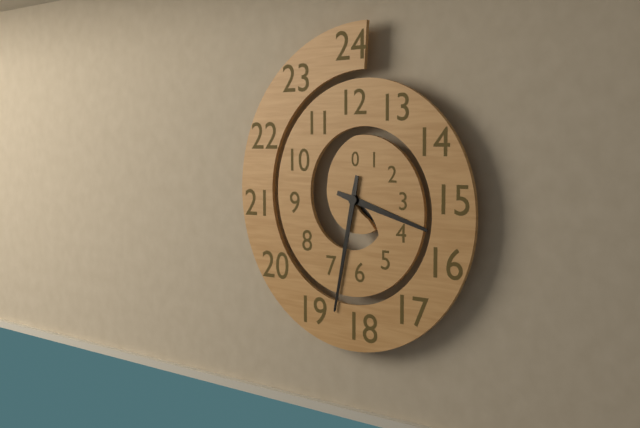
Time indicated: **3:32**
